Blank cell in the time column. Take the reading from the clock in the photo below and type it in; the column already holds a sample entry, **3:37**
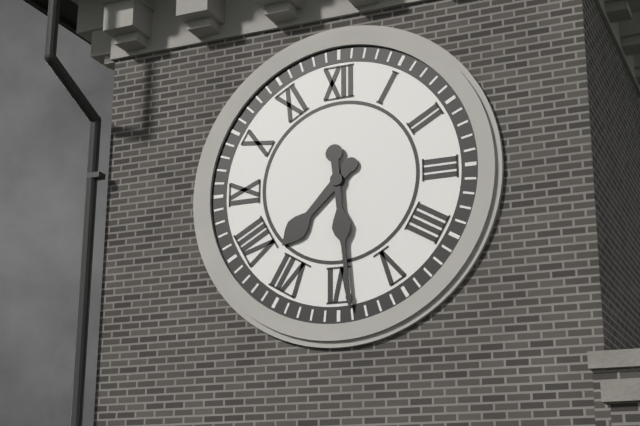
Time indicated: **7:29**
